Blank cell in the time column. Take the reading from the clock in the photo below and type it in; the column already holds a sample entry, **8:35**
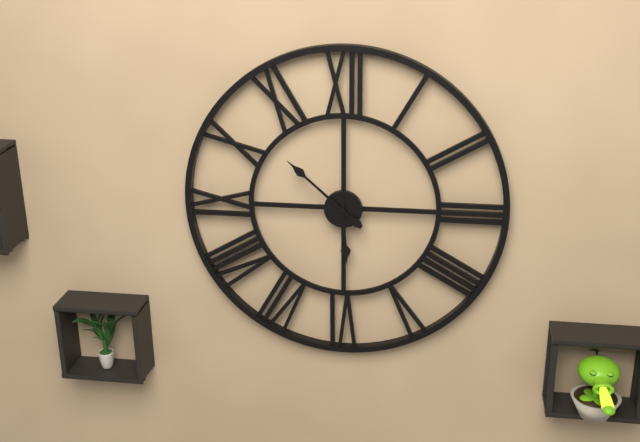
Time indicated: **5:52**
